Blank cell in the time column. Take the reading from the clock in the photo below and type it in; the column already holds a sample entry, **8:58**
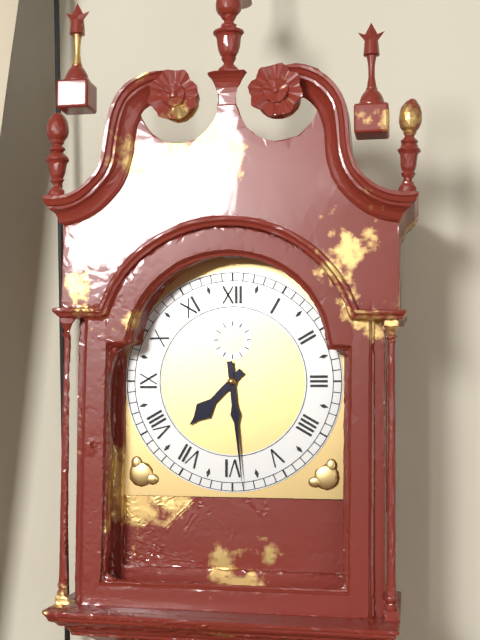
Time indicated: **7:29**
